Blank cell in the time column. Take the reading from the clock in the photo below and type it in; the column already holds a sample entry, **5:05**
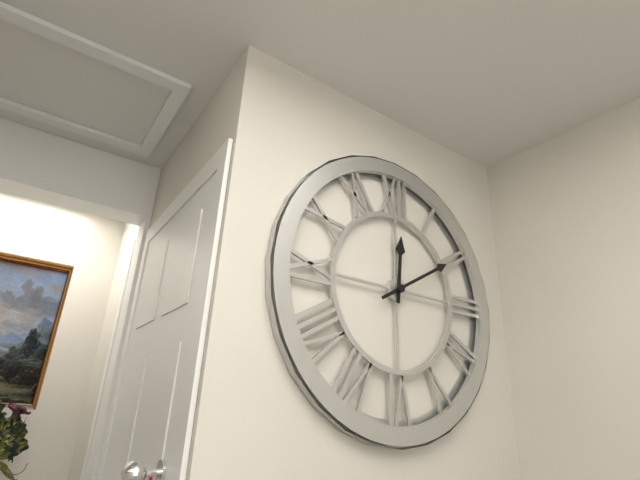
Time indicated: **12:10**
